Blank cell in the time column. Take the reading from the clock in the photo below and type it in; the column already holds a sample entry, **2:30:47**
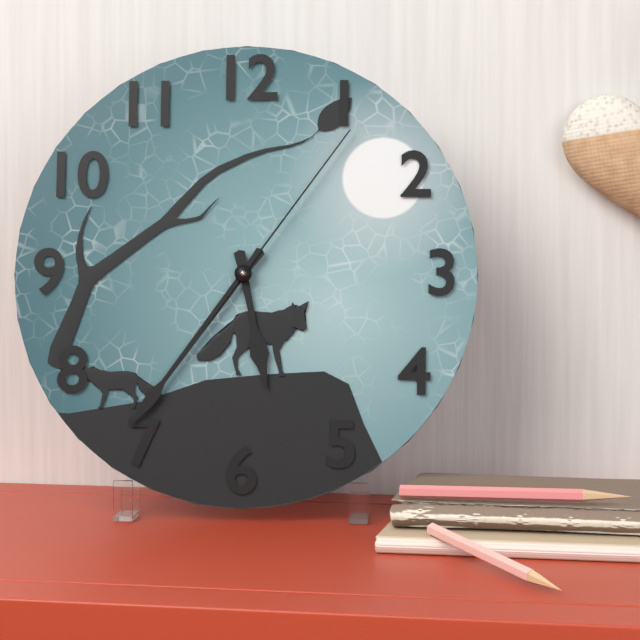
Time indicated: **5:36:06**
